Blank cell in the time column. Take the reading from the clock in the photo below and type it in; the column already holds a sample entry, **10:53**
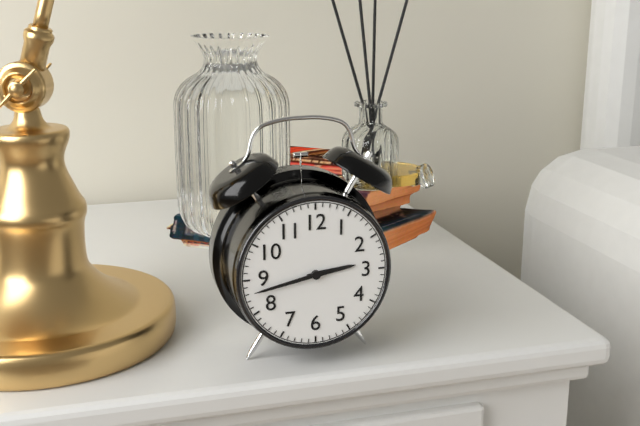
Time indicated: **2:43**
